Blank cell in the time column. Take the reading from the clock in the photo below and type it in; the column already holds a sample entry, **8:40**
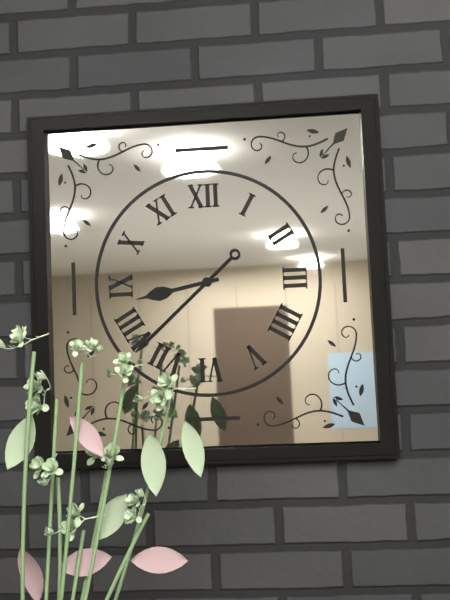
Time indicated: **8:38**
